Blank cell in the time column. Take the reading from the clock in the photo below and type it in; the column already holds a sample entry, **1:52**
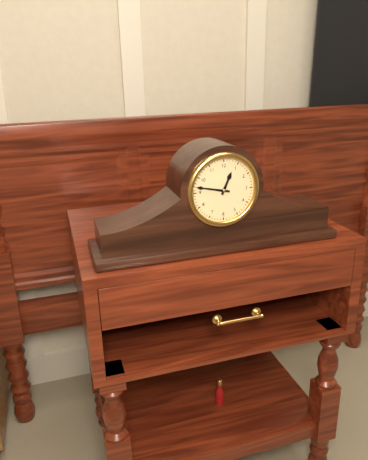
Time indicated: **12:47**
